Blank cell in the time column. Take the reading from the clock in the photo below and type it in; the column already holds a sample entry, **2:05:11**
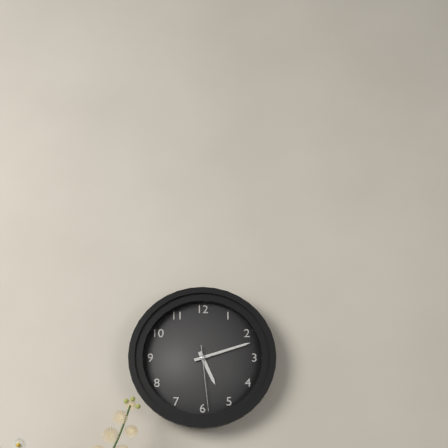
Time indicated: **5:12:29**
